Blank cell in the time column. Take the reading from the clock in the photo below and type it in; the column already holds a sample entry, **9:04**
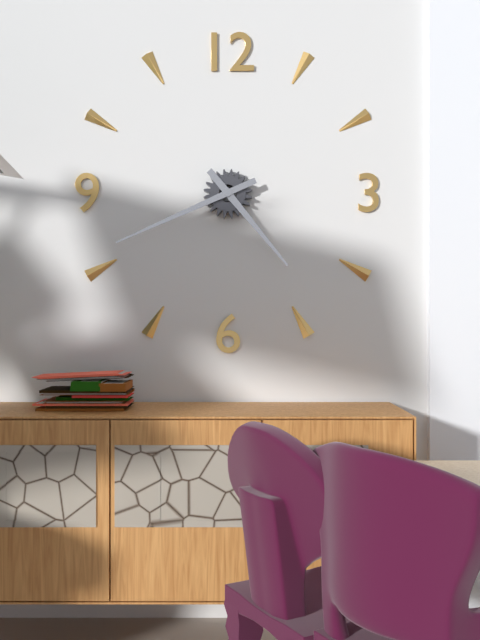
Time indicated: **4:41**
